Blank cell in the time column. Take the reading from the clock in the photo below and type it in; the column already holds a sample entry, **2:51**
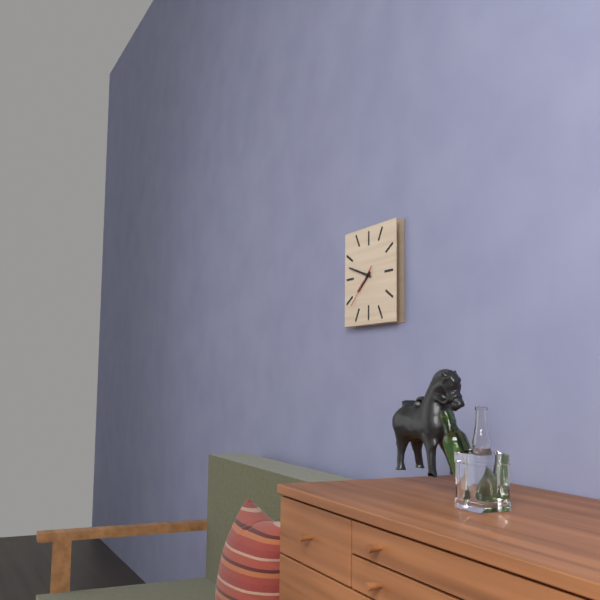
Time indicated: **7:48**
